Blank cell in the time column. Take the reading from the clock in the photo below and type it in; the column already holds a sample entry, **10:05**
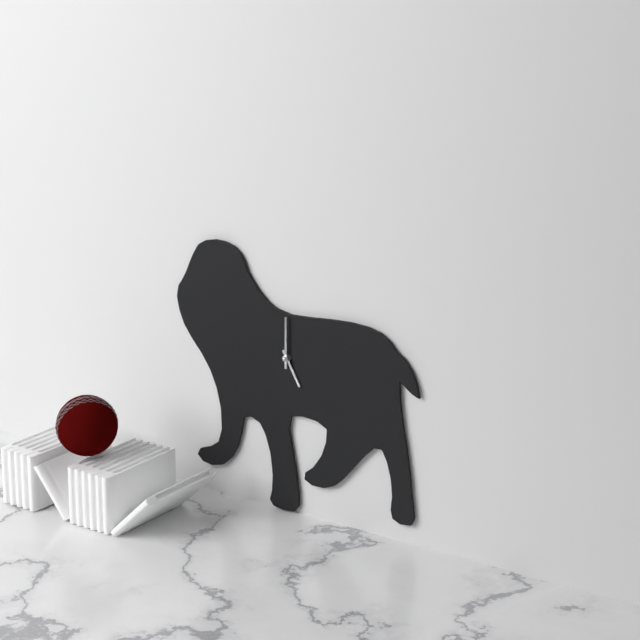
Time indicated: **5:00**
